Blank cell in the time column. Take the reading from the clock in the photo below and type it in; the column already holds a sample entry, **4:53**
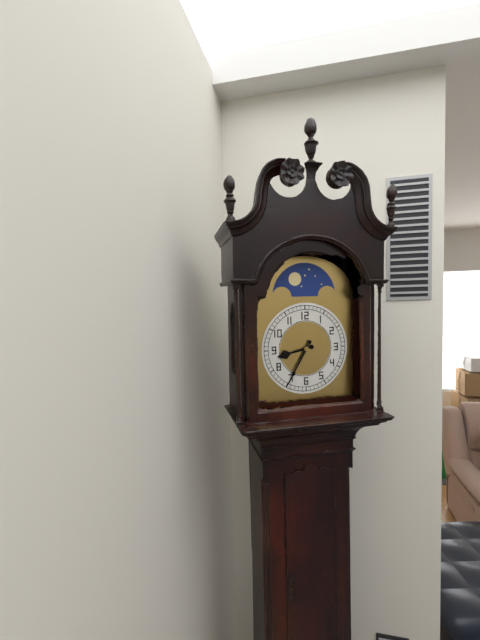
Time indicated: **8:35**
